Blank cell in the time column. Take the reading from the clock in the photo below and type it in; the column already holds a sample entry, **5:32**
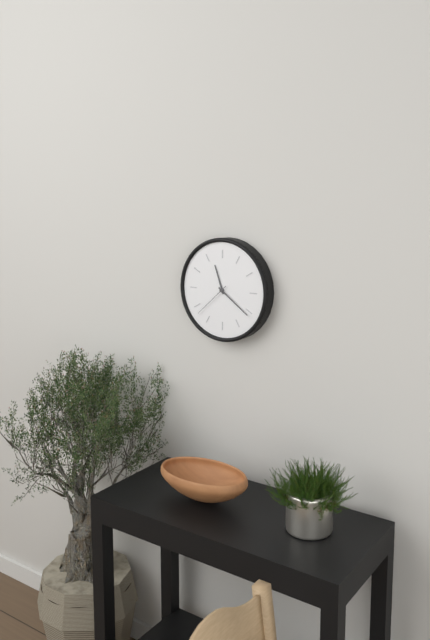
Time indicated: **11:21**
